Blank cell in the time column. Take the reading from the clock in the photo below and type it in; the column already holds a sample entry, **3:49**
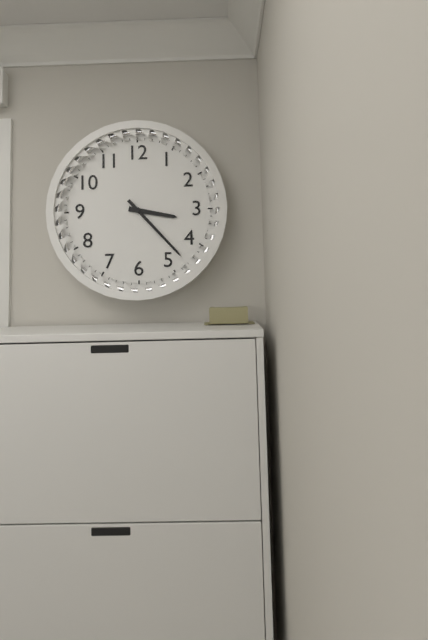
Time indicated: **3:23**
